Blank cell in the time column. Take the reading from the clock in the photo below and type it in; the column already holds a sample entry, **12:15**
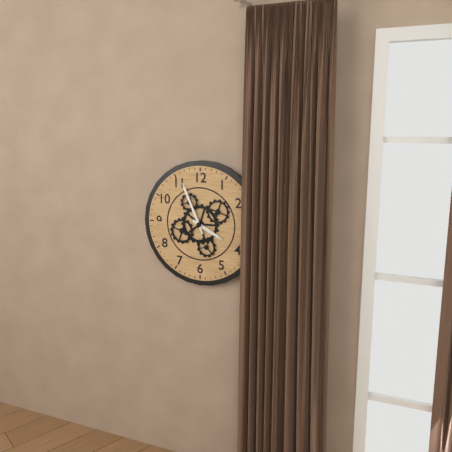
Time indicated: **3:56**
